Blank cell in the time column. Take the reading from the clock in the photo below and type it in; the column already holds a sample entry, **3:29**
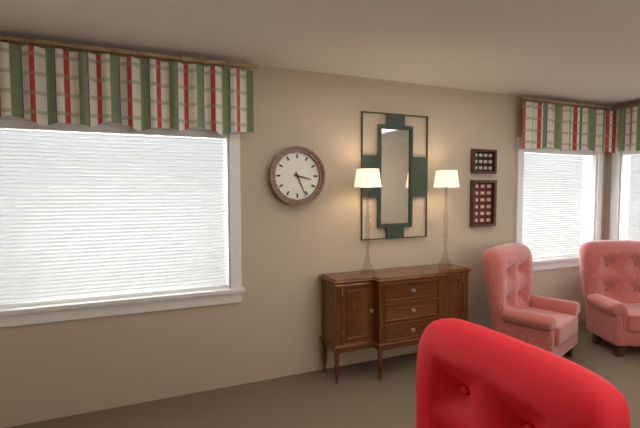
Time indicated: **3:26**
